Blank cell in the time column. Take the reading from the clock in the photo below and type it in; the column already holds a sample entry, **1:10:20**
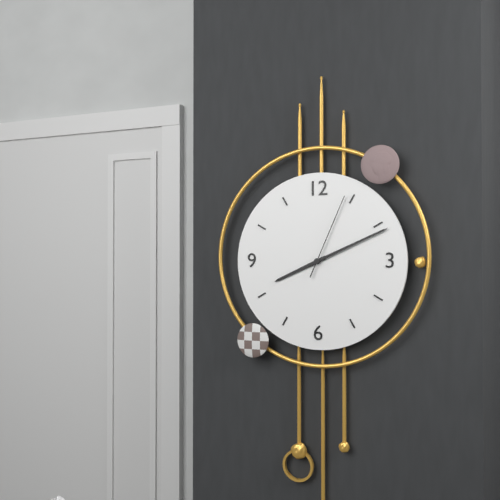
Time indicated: **8:11:04**
